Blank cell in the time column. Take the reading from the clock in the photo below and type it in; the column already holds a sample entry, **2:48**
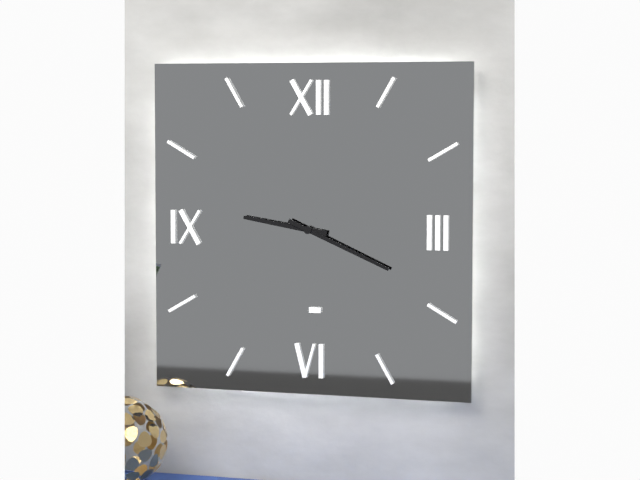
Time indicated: **9:19**
